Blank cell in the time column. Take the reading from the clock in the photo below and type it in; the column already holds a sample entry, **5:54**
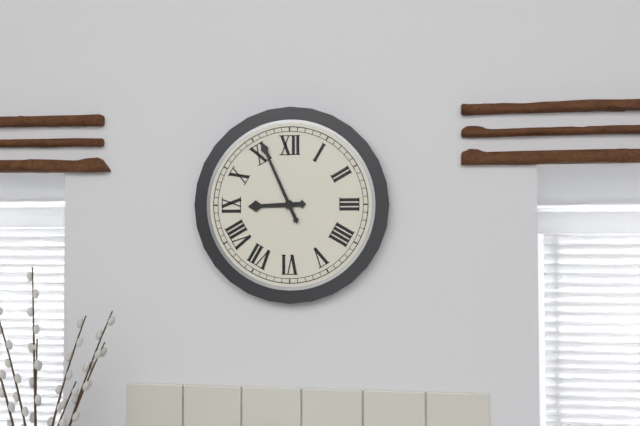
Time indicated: **8:56**
